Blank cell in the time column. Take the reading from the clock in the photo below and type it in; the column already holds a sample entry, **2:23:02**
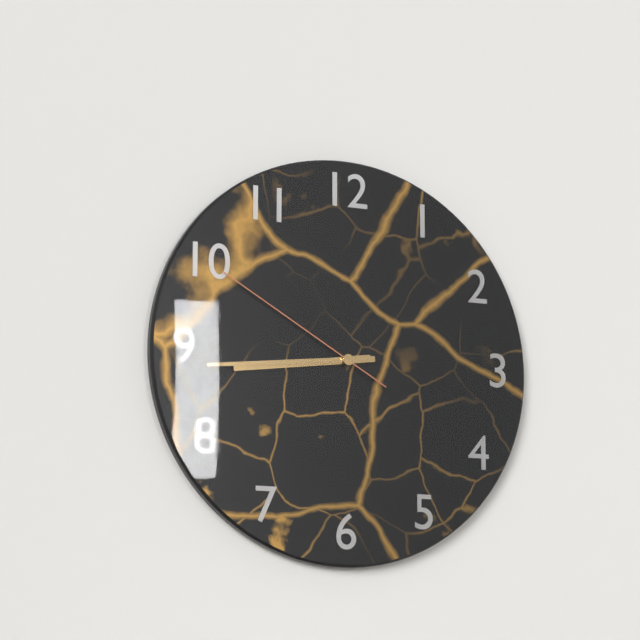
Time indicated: **8:44:50**
